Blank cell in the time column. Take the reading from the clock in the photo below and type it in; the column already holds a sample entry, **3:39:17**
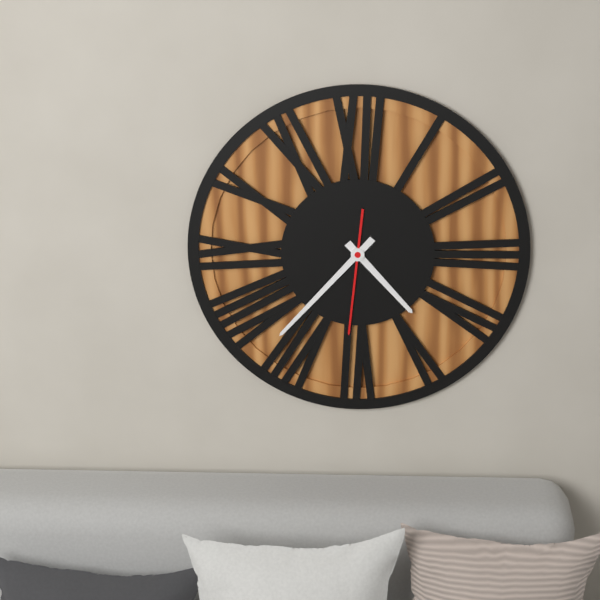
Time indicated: **4:37:31**
